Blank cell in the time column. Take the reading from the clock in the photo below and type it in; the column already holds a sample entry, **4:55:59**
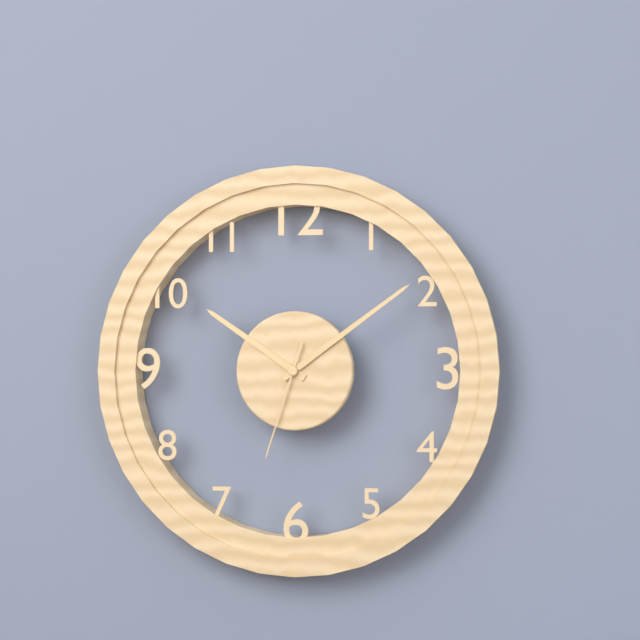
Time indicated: **10:09:33**
